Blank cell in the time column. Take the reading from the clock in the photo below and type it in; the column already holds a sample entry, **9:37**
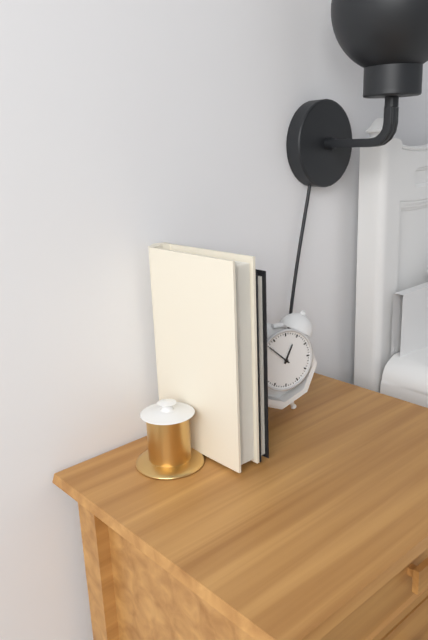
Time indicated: **12:52**
